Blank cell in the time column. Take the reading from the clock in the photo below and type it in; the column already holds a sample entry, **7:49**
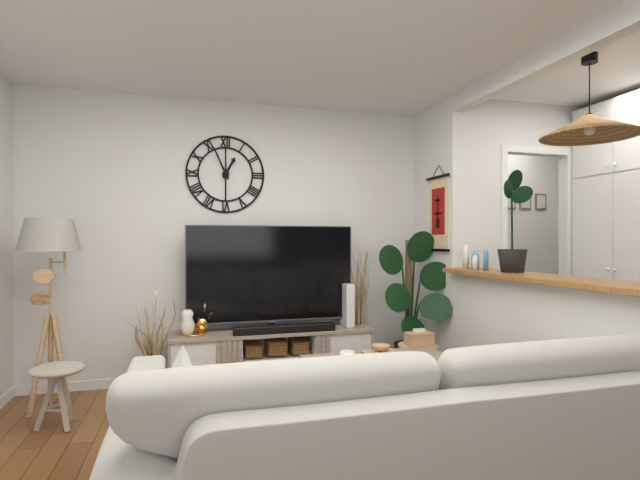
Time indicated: **12:56**
